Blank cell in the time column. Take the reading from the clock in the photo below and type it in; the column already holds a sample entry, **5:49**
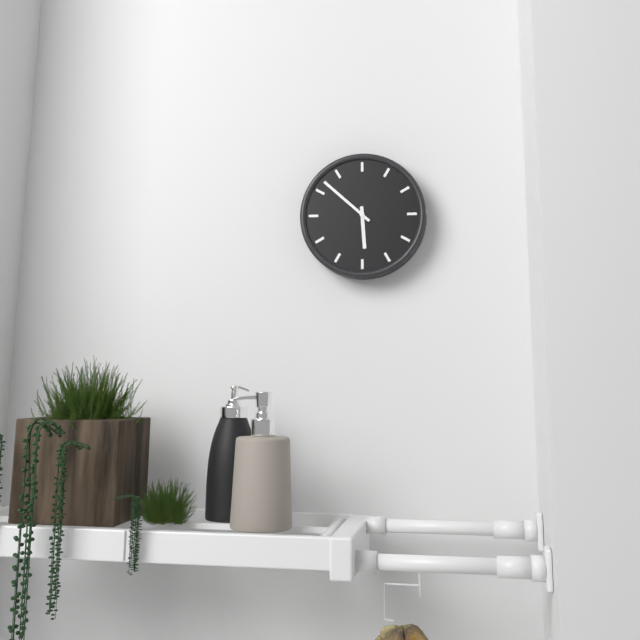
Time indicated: **5:52**
